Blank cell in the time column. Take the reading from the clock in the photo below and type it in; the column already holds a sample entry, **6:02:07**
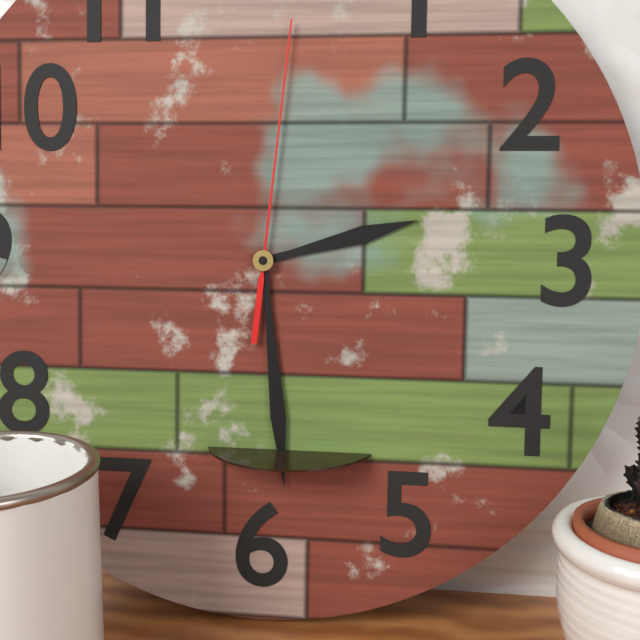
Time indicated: **2:29:01**
